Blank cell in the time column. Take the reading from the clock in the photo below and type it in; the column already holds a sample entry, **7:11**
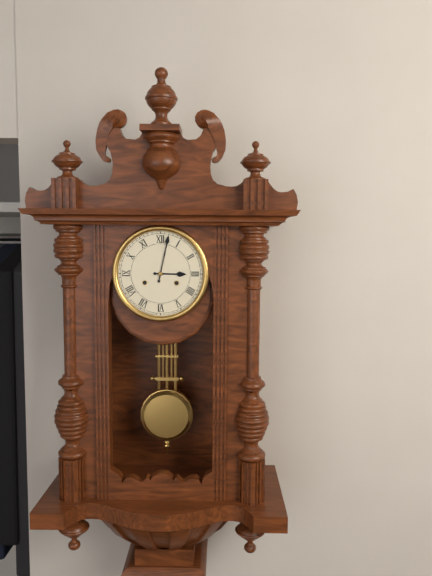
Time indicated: **3:02**
